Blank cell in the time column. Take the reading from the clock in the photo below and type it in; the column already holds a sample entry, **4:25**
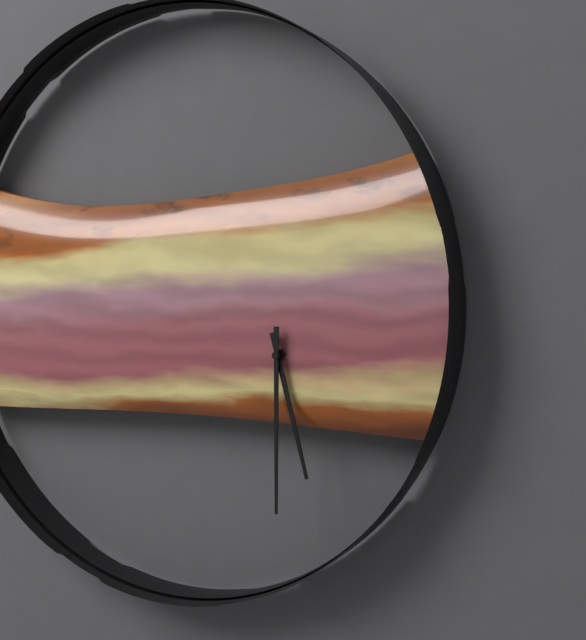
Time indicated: **5:30**
